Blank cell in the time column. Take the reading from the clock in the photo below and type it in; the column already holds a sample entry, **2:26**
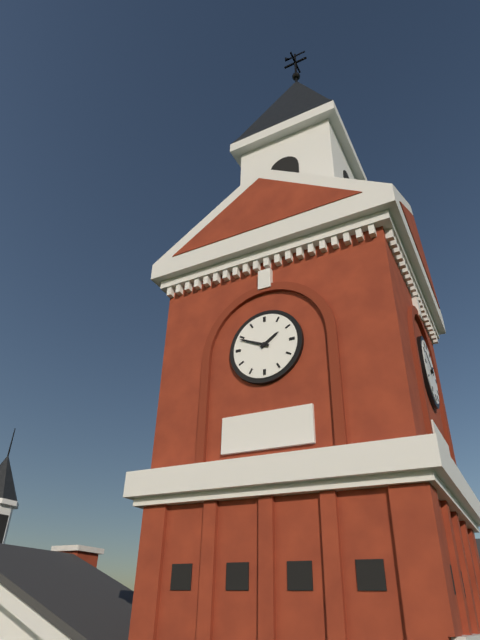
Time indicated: **1:49**
